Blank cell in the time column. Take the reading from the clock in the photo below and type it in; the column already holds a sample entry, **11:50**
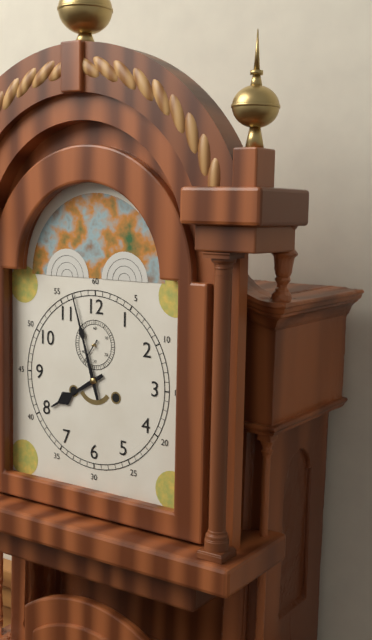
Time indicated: **7:57**
